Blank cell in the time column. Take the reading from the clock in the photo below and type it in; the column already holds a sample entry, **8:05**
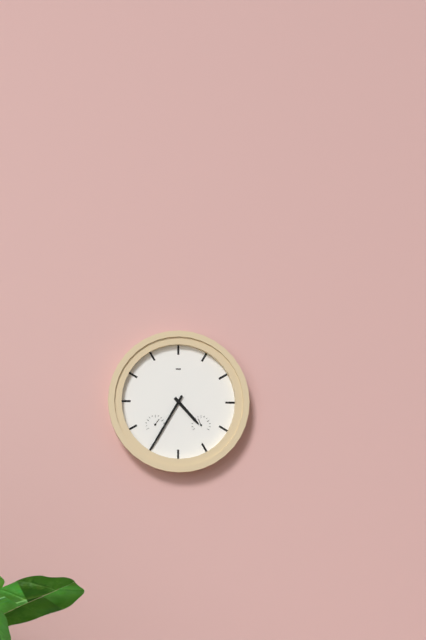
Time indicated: **4:35**
